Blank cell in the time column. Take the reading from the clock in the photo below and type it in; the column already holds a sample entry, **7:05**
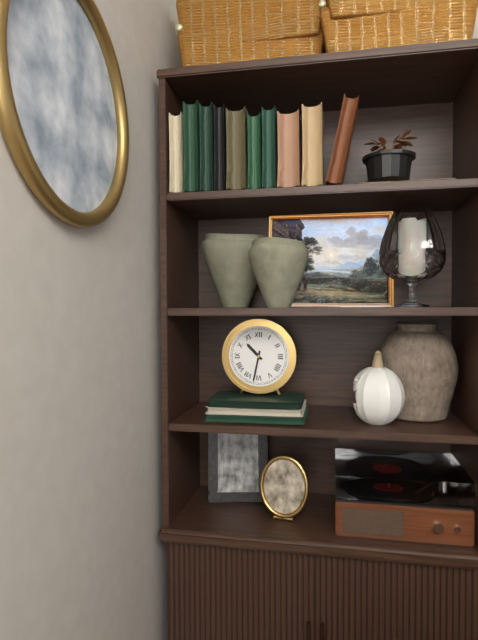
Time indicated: **10:32**
